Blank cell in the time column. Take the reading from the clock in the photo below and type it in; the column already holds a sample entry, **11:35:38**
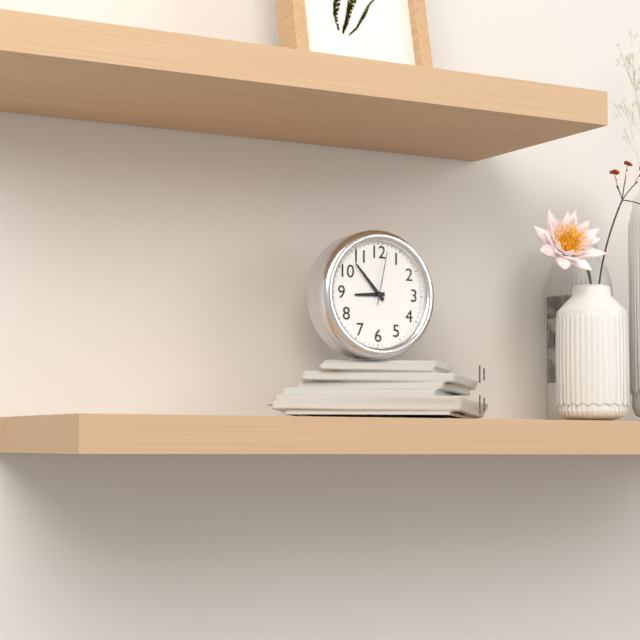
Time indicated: **8:53:02**
